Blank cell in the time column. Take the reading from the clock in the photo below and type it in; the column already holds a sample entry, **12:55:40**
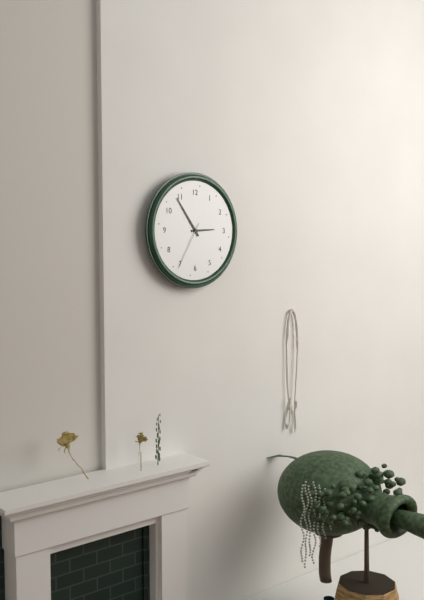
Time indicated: **2:54:35**
